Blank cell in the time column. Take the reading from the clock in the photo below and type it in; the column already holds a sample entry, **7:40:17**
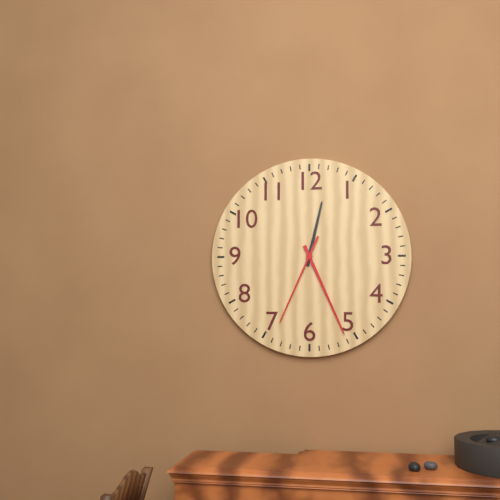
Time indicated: **12:26:34**
